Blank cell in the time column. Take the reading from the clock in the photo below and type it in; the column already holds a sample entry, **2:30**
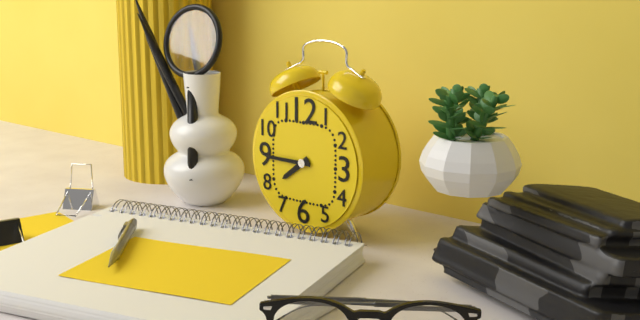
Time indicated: **7:45**
